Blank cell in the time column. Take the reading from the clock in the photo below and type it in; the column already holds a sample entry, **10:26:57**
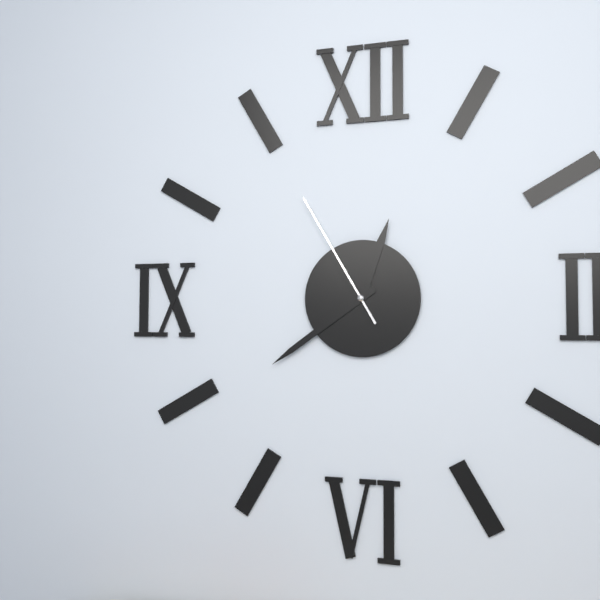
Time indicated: **12:39:55**
